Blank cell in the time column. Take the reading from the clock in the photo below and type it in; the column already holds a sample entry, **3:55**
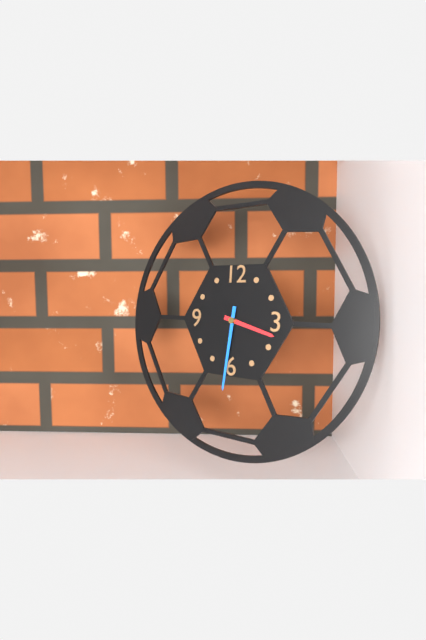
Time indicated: **3:31**
